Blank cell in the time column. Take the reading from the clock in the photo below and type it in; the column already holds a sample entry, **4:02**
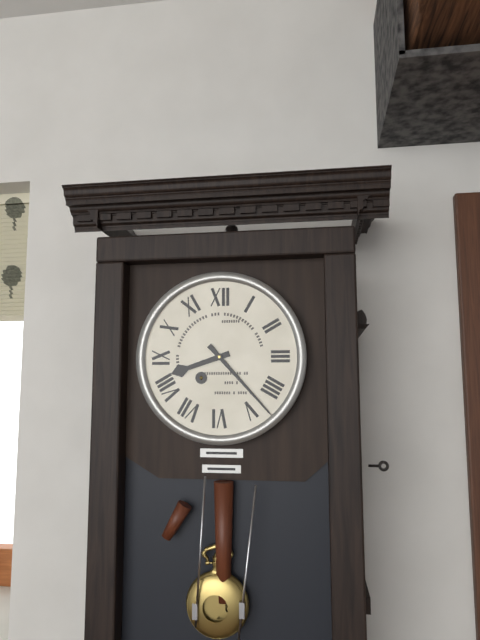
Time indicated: **8:23**
